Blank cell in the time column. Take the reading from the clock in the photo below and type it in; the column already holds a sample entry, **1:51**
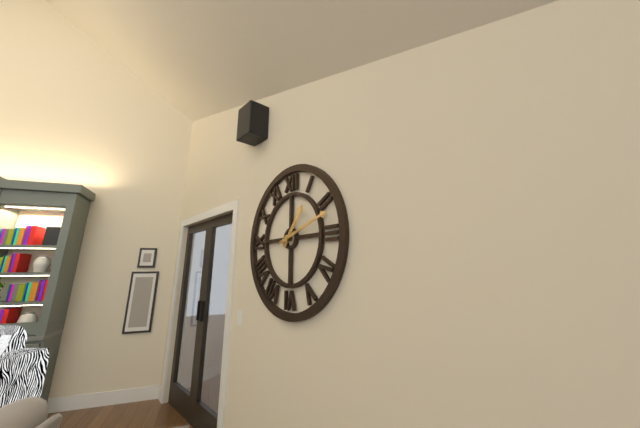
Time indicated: **1:12**
